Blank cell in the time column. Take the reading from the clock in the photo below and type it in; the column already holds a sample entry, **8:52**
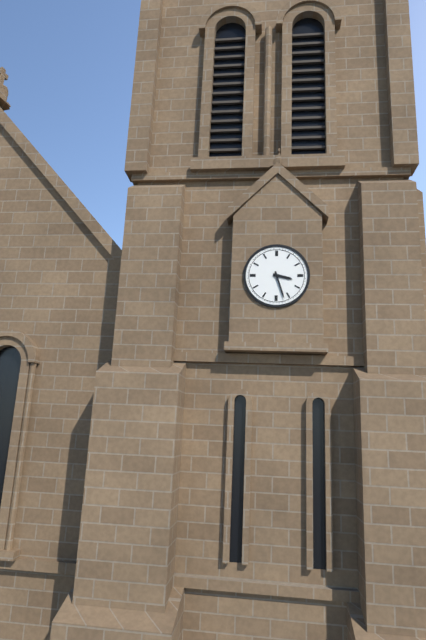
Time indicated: **3:27**
